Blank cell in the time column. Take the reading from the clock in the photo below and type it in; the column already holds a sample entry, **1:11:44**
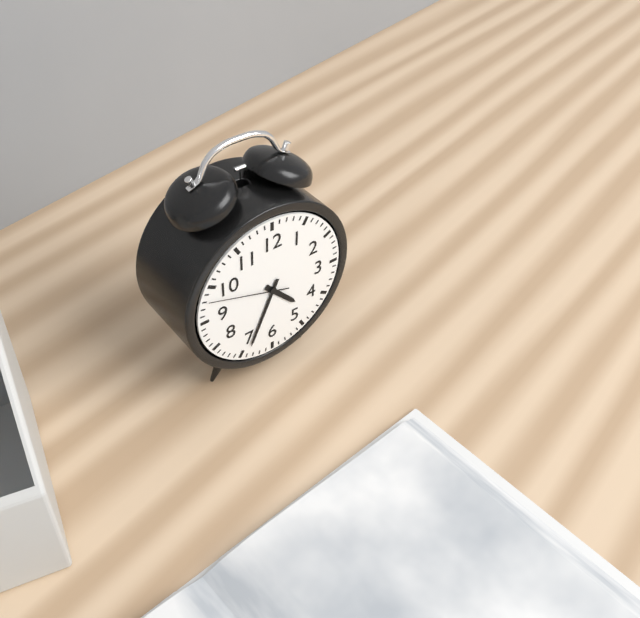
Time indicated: **4:34:48**
